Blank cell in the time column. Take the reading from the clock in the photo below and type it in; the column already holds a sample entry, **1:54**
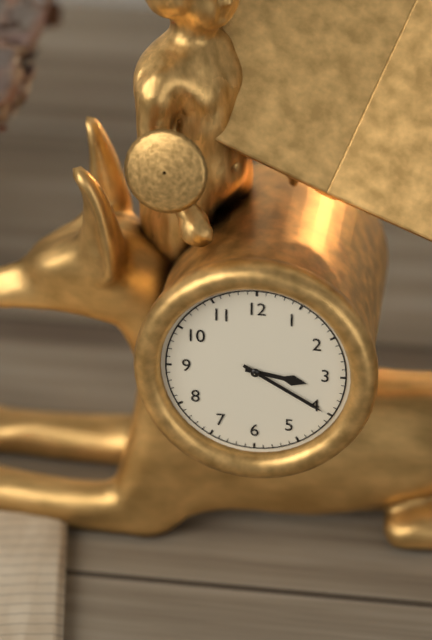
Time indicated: **3:20**
